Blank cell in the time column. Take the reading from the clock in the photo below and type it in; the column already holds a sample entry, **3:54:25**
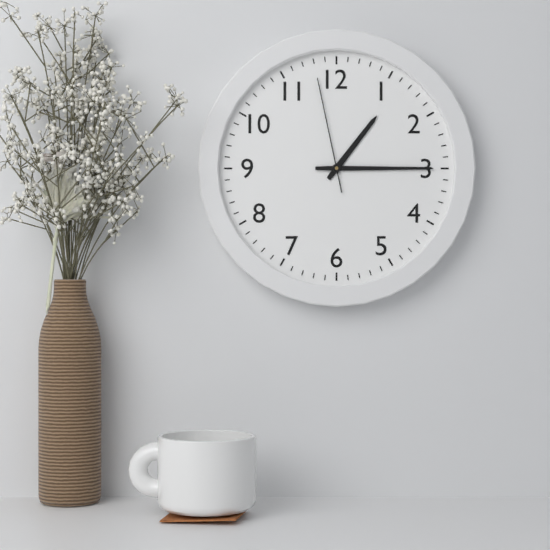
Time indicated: **1:15:58**
